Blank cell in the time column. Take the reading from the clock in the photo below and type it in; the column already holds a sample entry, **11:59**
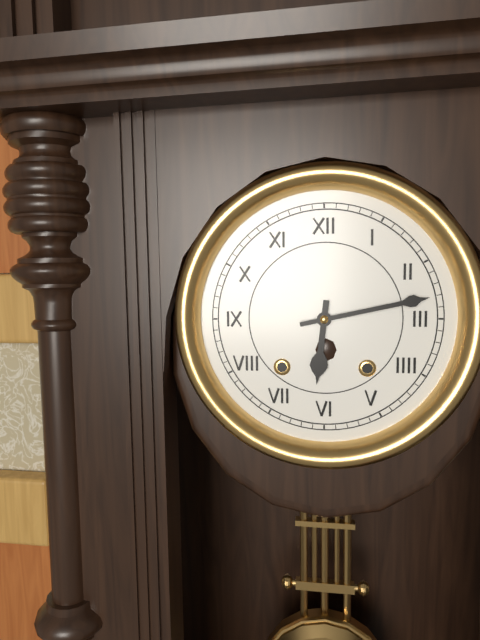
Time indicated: **6:13**
